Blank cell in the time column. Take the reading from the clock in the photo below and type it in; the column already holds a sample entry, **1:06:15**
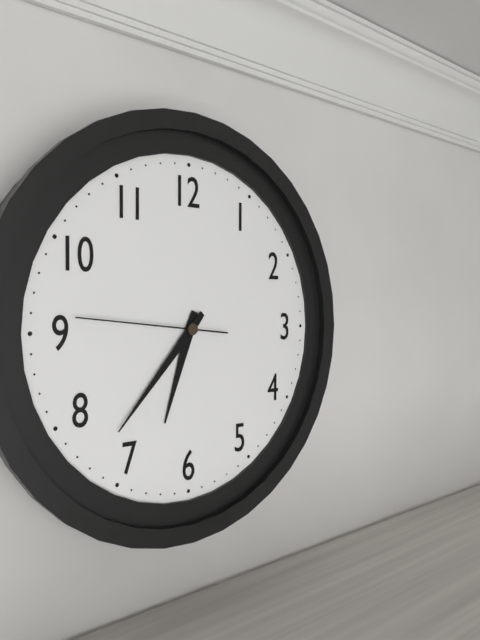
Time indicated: **6:37:46**
